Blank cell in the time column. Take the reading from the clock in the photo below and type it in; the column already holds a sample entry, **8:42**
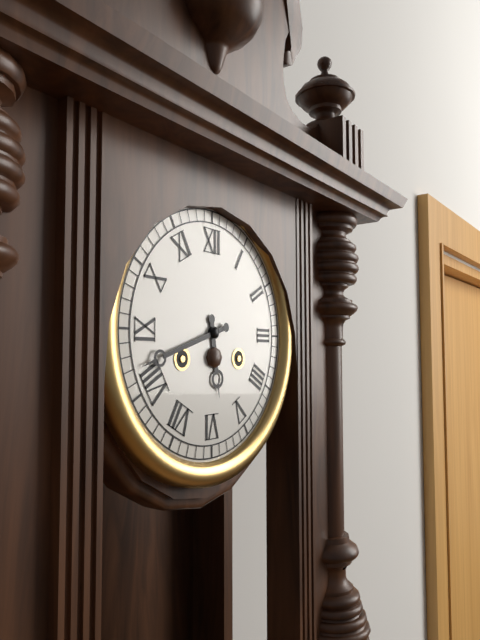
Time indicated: **5:42**
